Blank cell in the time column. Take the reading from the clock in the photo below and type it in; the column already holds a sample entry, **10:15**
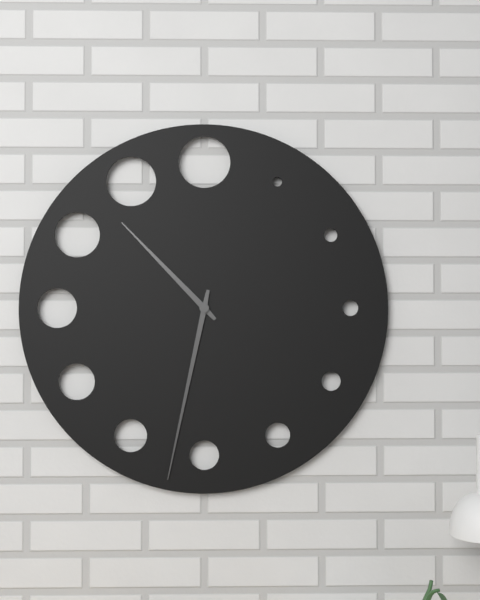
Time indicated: **10:32**
